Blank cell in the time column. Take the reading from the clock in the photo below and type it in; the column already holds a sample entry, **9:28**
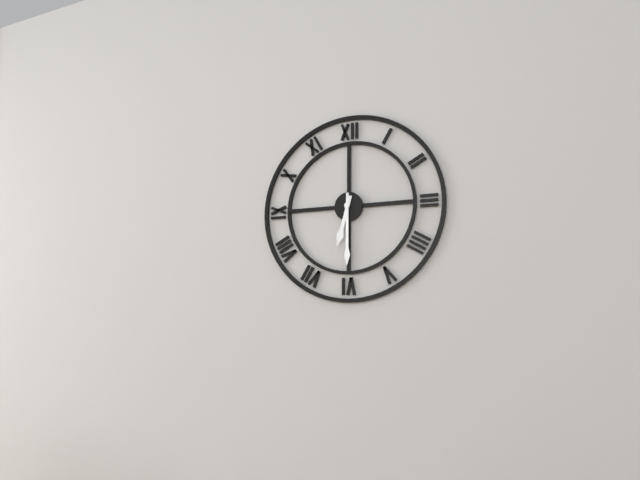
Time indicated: **6:30**
